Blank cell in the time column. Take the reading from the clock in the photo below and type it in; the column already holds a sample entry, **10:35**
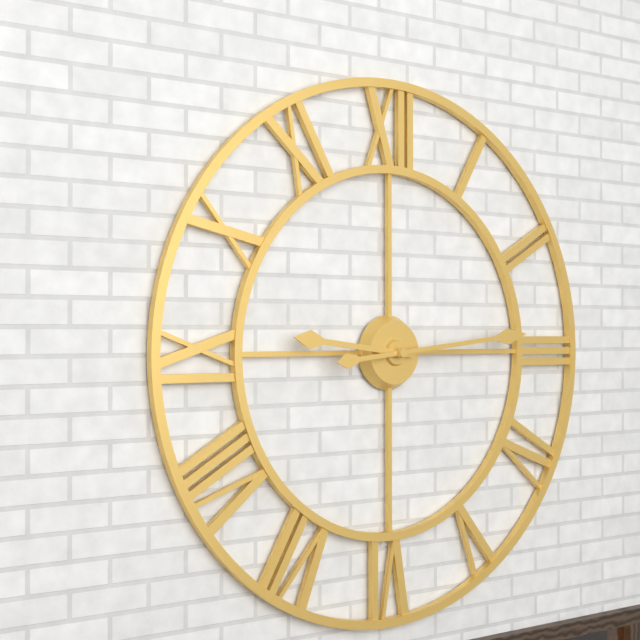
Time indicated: **9:14**
